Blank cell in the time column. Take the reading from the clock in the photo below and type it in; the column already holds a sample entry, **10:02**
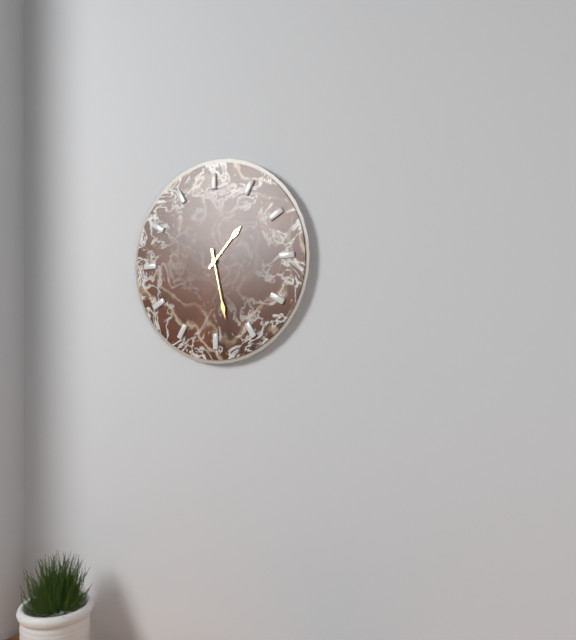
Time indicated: **1:28**
